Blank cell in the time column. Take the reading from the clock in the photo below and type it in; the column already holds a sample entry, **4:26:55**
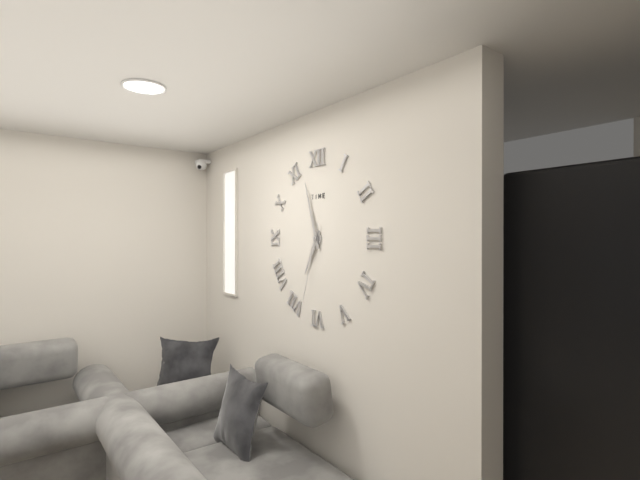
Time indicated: **6:57:33**
